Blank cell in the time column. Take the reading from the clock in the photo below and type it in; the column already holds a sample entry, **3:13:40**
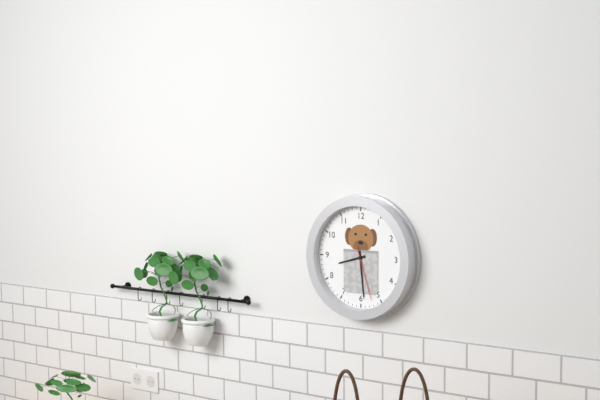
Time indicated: **8:29:27**
